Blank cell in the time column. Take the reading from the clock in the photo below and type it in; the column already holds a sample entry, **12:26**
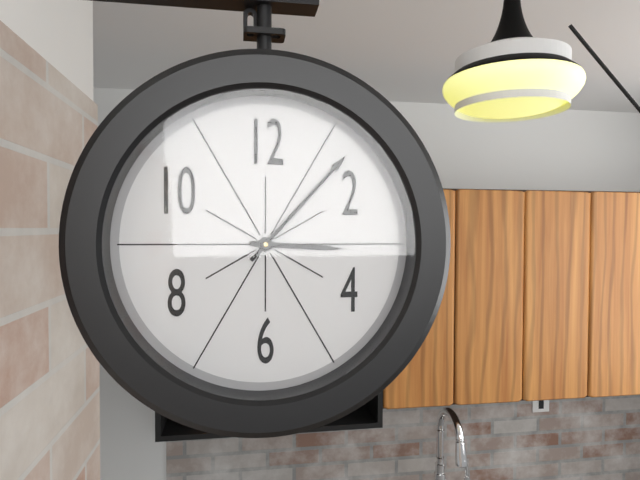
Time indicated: **3:07**
